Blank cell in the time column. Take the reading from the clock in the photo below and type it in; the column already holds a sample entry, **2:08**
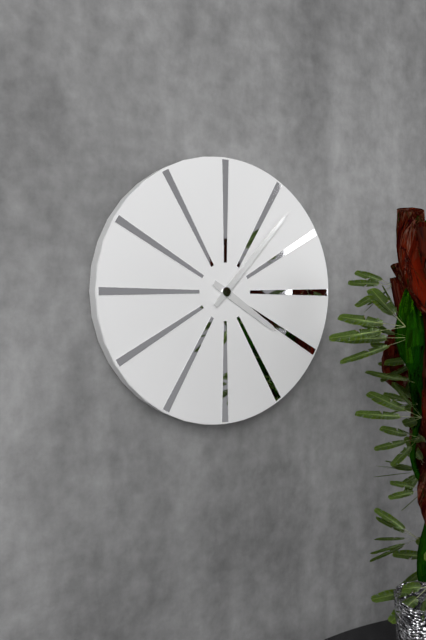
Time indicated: **4:07**
